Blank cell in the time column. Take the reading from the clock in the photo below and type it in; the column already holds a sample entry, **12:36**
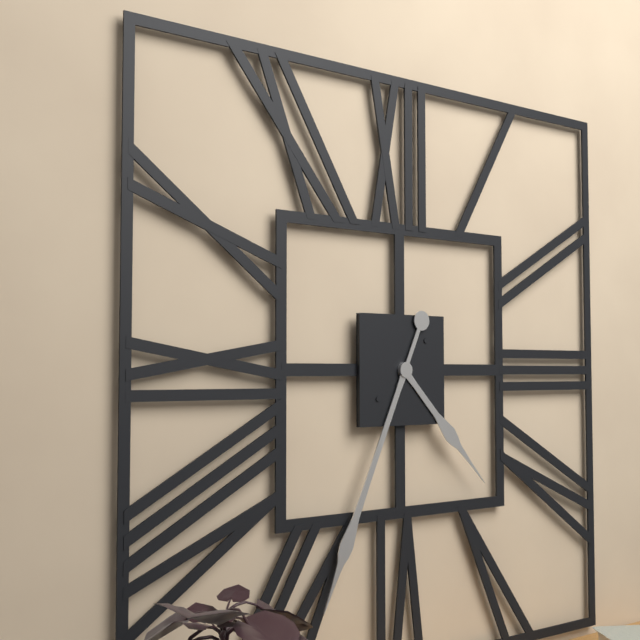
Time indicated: **4:34**
